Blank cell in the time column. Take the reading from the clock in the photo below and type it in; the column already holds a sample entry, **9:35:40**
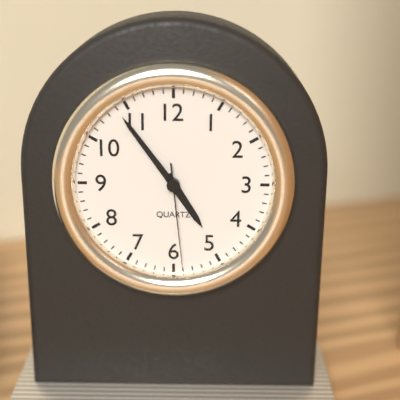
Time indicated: **4:54:29**
